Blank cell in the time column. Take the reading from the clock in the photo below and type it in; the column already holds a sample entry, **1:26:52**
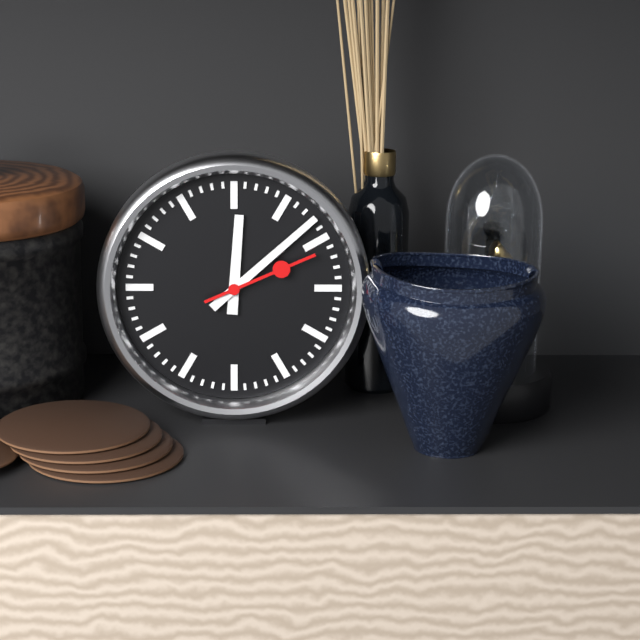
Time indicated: **12:08:11**
